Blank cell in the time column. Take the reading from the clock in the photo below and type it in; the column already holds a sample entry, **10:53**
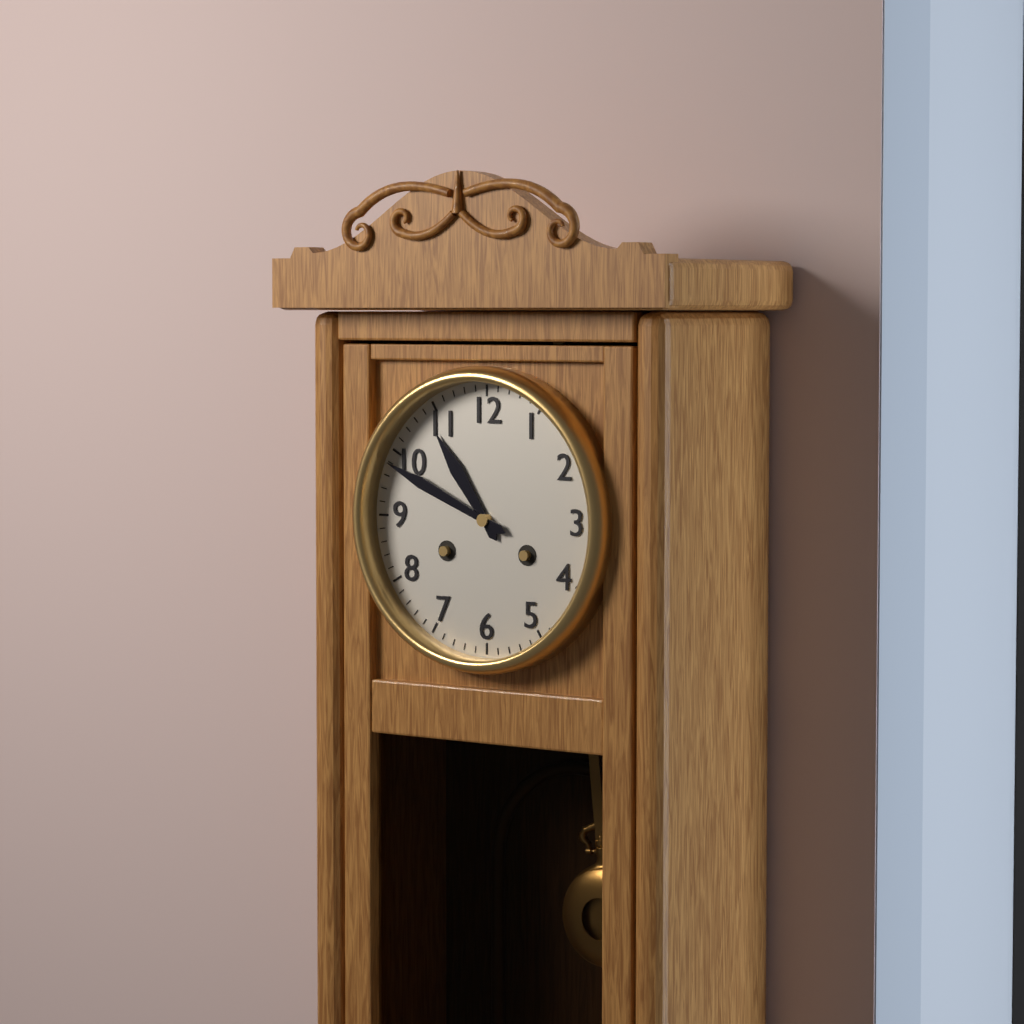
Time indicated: **10:49**
